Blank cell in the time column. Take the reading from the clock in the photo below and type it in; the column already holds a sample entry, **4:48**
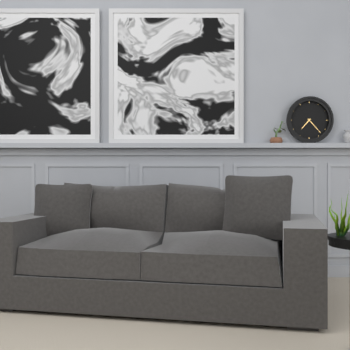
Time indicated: **7:23**
